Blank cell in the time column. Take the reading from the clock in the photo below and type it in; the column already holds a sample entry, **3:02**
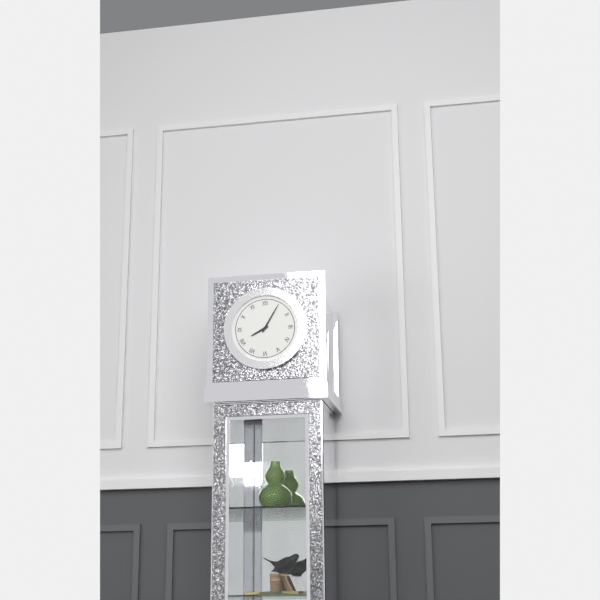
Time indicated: **8:05**
